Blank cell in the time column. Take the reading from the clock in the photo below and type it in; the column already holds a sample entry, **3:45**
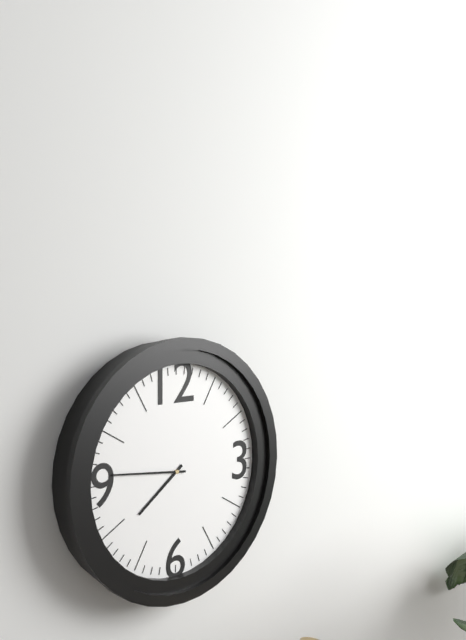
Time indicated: **7:46**
